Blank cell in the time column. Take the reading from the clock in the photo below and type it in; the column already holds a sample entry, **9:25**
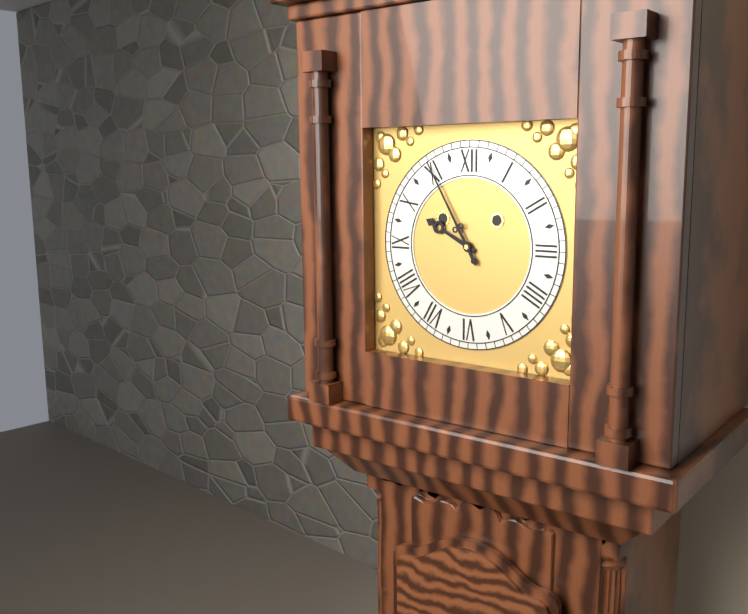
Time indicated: **9:55**
